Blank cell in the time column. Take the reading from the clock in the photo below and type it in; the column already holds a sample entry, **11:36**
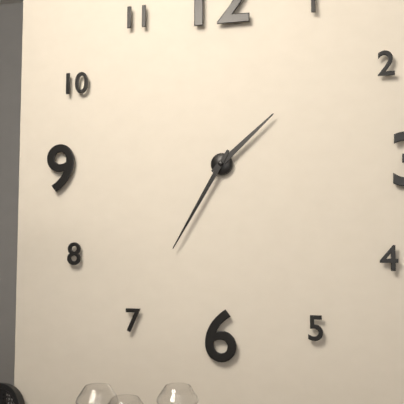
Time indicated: **1:35**
